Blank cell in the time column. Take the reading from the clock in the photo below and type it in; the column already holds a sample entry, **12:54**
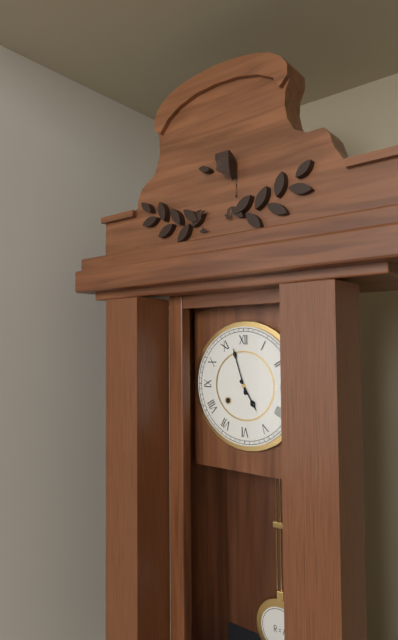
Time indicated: **4:57**
